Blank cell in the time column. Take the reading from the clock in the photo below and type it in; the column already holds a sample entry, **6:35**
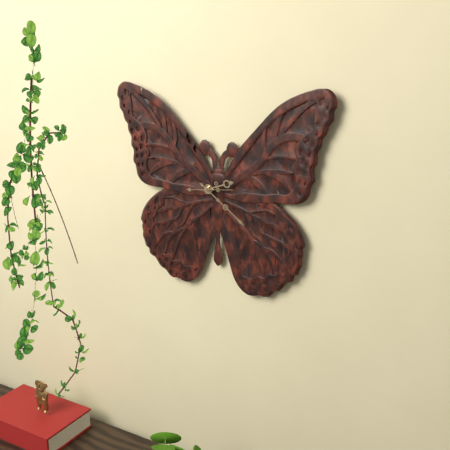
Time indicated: **2:21**
